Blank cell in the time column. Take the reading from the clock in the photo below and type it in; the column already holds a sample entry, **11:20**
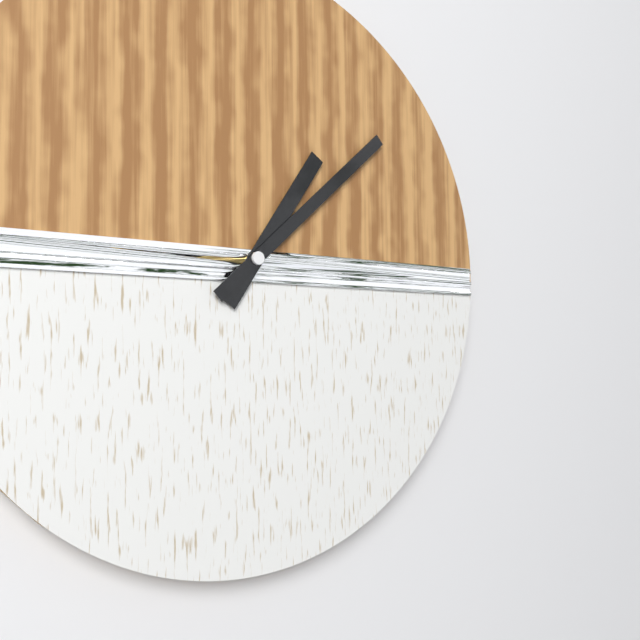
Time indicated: **1:08**
